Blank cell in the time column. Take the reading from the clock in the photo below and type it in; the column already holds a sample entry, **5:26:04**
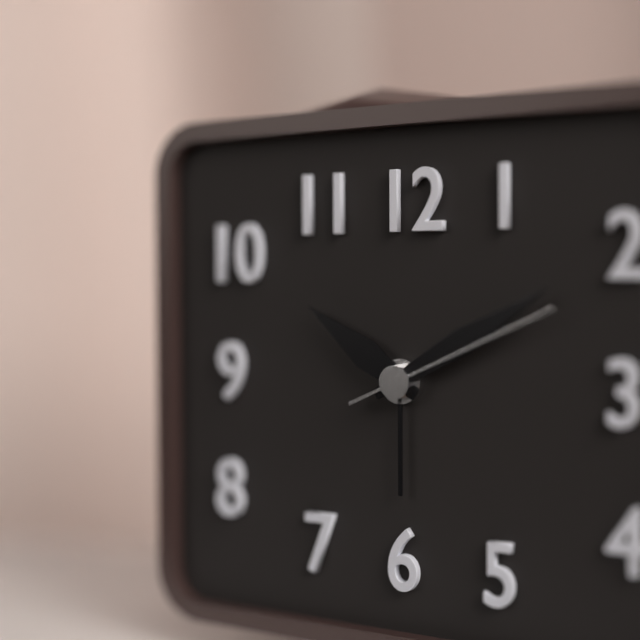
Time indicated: **10:10:11**
